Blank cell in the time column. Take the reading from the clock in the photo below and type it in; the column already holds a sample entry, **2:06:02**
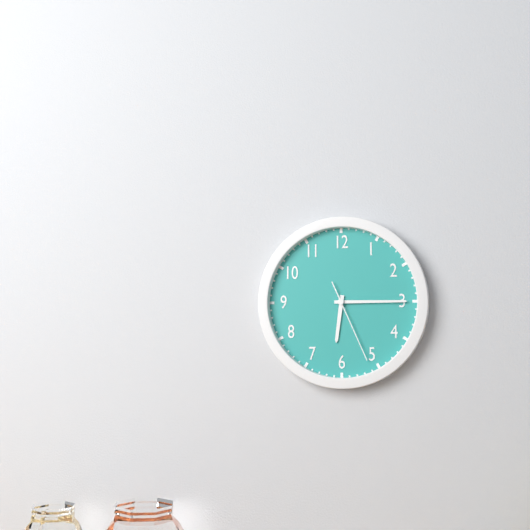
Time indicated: **6:15:26**
